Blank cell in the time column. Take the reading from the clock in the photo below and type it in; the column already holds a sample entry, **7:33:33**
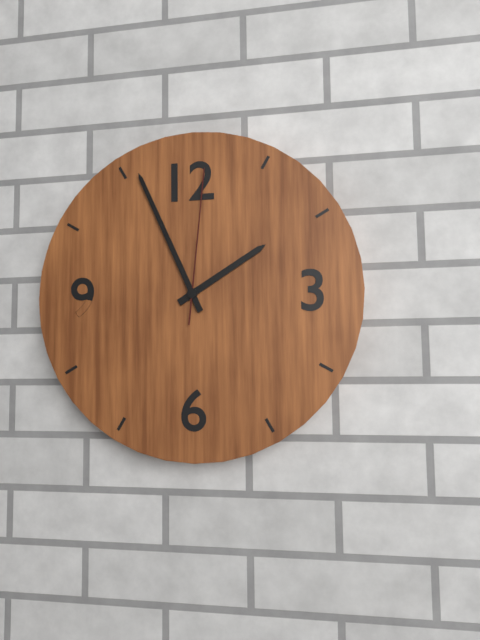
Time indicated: **1:56:01**
